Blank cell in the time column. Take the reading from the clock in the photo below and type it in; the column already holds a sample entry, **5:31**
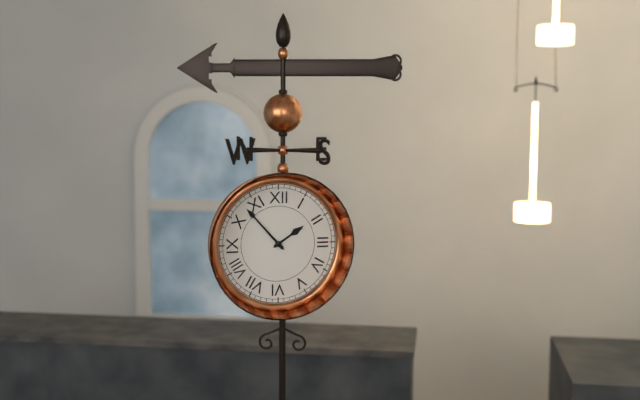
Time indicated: **1:53**
